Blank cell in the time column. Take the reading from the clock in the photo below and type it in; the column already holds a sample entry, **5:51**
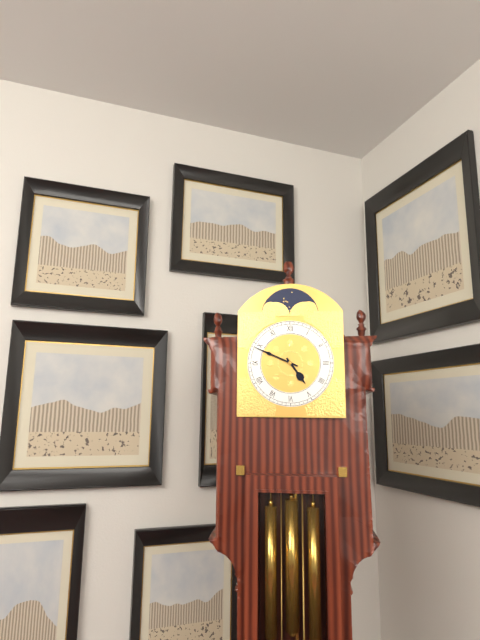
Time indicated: **4:49**
